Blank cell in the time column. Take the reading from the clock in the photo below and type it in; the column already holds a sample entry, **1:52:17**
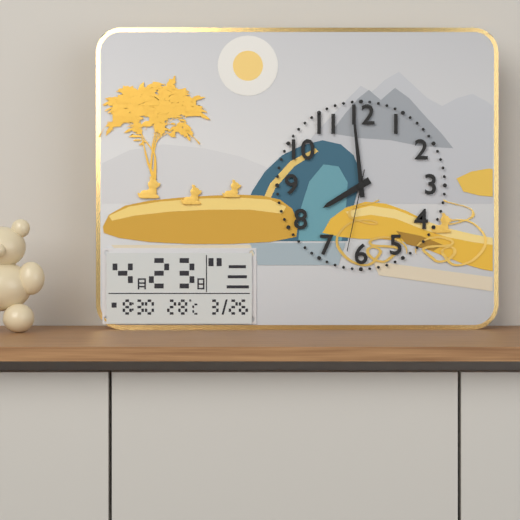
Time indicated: **7:59:32**
